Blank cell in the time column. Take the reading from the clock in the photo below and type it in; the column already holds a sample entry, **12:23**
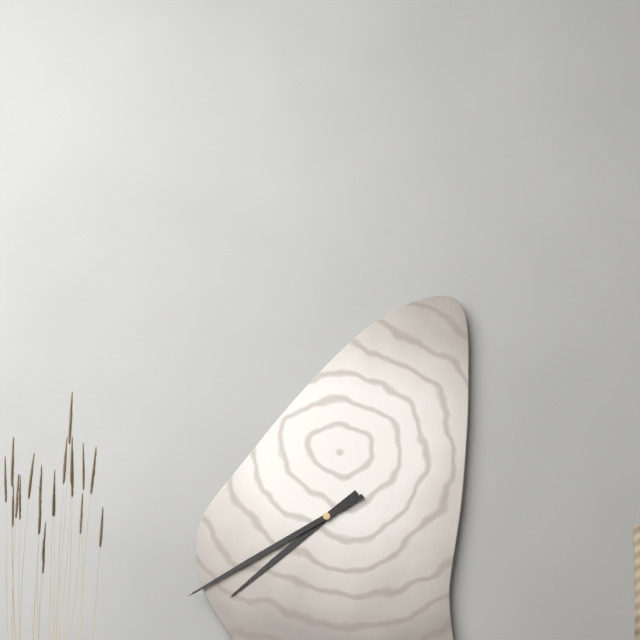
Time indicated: **7:40**
